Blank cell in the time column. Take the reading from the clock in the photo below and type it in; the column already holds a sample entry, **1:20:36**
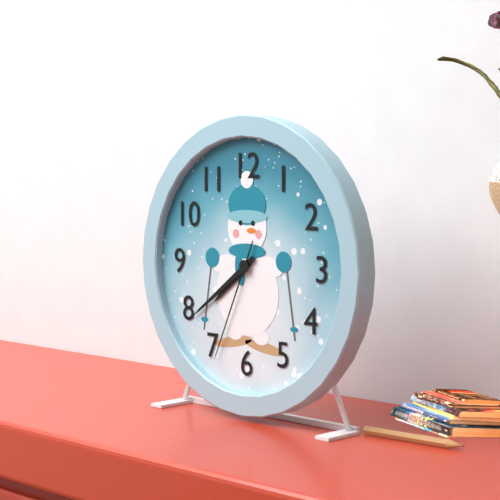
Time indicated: **7:39:34**
